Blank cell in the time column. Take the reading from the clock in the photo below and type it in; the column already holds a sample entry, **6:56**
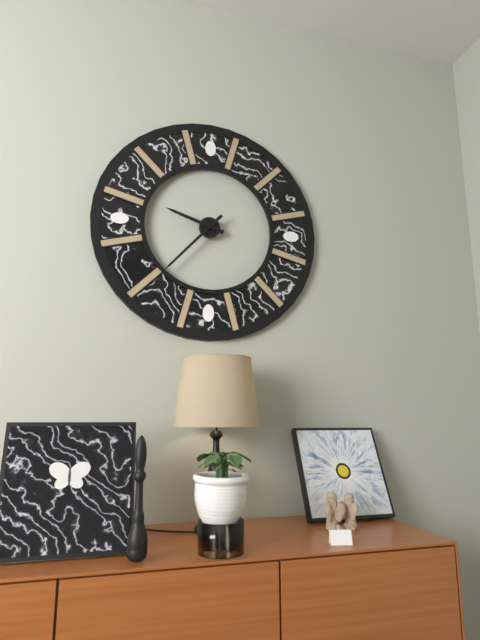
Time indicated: **9:37**
